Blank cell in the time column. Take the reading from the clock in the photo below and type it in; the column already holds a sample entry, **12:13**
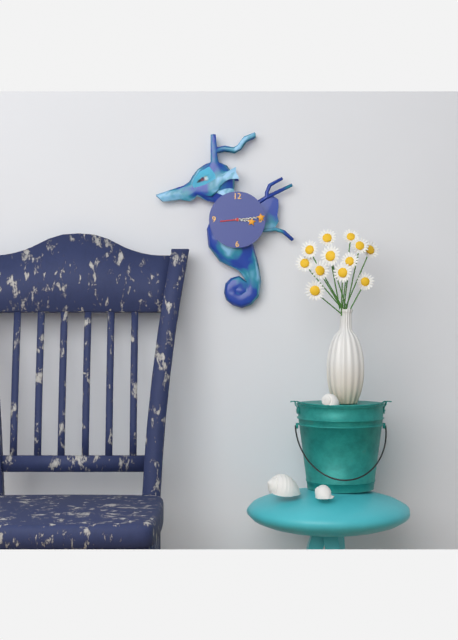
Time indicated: **3:14**
